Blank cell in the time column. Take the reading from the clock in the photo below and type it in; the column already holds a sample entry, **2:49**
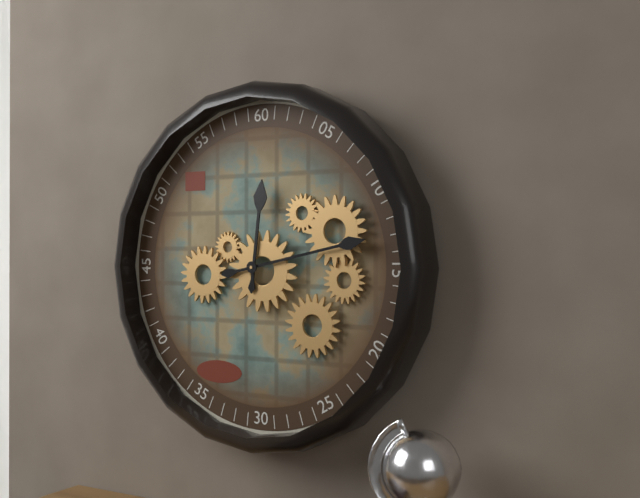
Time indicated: **12:13**
